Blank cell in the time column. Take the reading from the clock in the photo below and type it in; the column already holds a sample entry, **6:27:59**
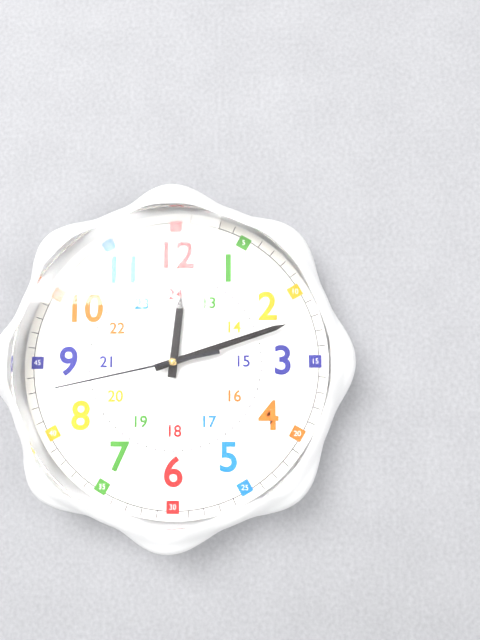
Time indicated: **12:12:43**
